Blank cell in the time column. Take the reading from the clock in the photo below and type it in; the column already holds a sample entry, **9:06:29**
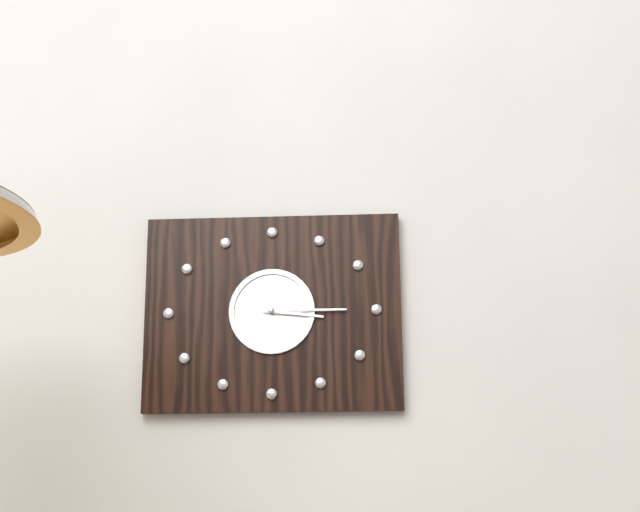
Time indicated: **3:15:15**
